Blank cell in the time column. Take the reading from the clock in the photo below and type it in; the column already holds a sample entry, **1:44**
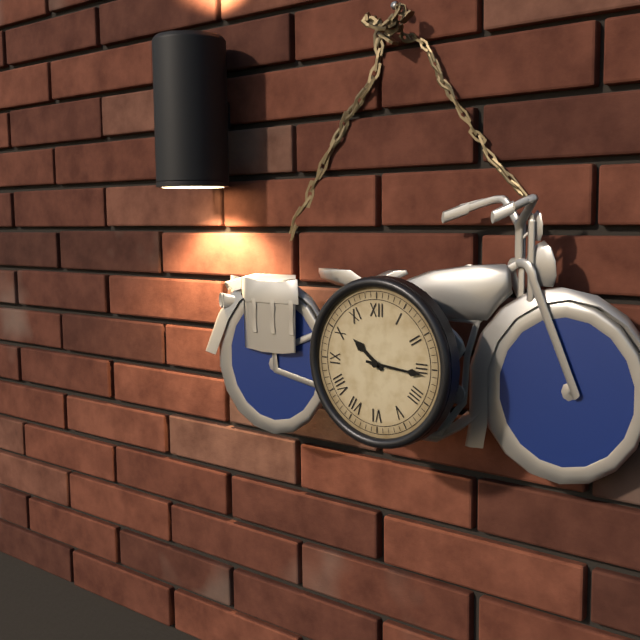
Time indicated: **10:16**
